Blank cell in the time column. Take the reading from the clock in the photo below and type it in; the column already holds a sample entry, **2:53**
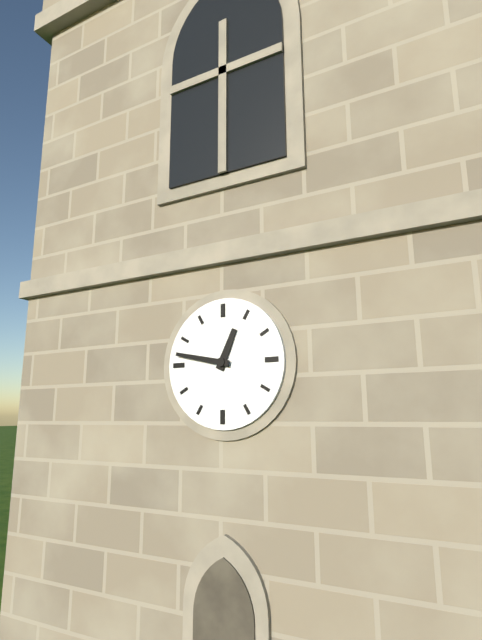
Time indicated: **12:47**
